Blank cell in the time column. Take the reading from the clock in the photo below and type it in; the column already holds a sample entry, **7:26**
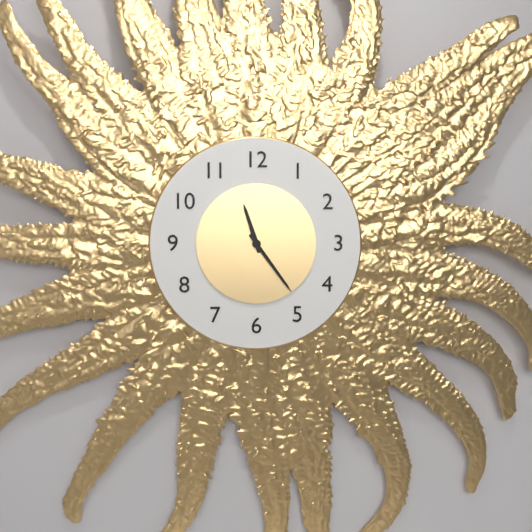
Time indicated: **11:24**
